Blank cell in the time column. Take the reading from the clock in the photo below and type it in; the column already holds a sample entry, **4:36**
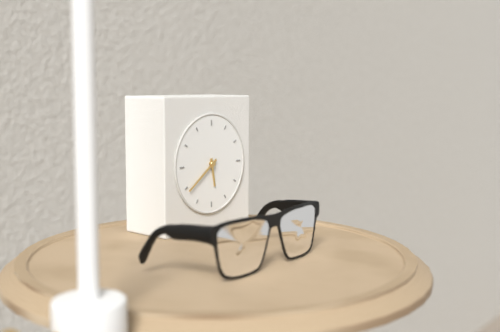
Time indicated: **5:39**
